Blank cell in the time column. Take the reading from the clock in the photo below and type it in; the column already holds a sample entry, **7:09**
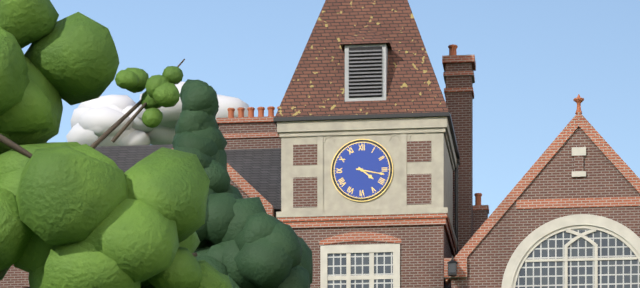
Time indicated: **4:17**
